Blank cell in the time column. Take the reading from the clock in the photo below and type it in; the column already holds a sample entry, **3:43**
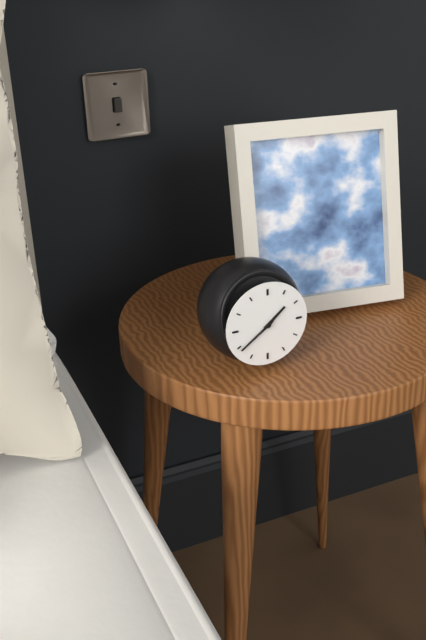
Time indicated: **1:39**
